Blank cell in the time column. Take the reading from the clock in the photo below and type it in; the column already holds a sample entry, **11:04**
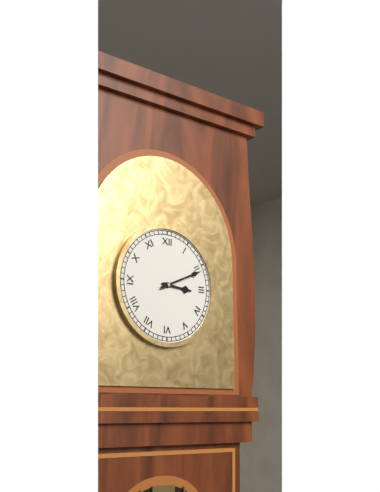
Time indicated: **3:11**
